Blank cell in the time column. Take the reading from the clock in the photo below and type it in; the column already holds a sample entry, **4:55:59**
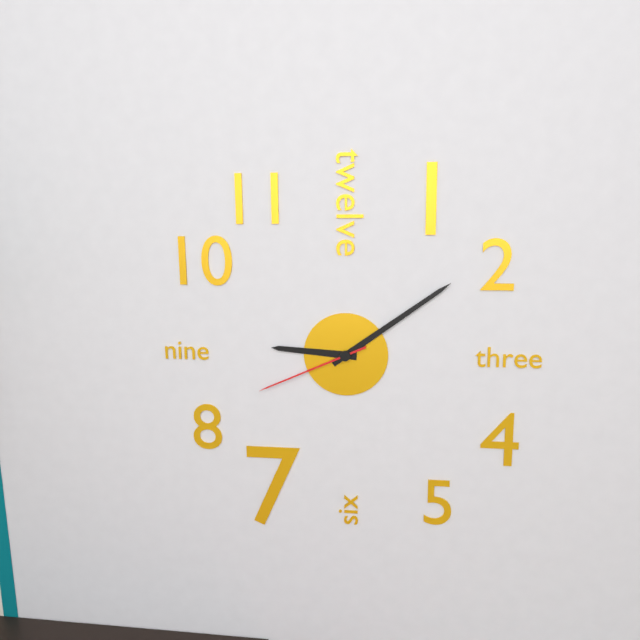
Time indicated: **9:09:41**
